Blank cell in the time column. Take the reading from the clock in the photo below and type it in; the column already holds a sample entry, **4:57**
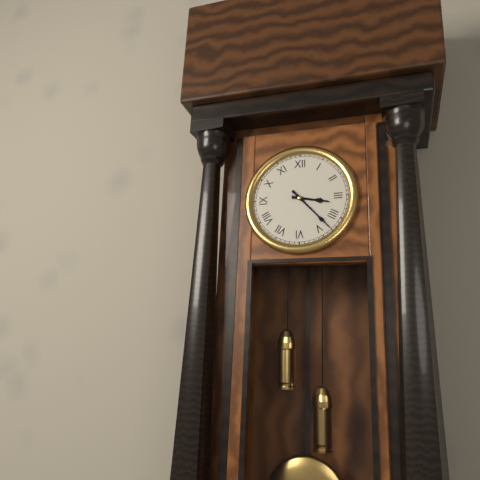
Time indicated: **3:23**
